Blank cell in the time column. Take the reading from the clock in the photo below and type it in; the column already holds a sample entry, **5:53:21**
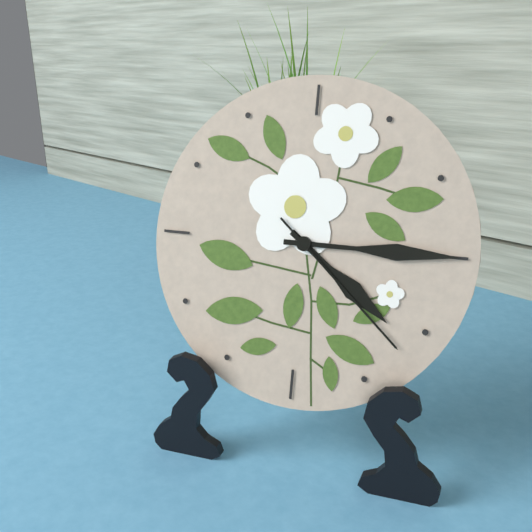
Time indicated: **4:15:22**
